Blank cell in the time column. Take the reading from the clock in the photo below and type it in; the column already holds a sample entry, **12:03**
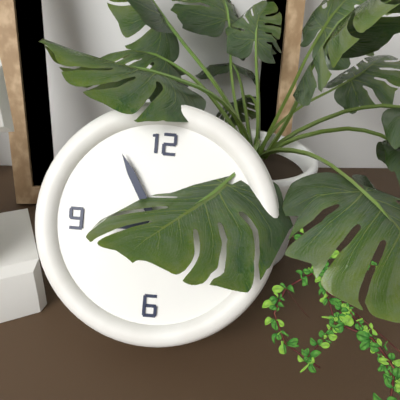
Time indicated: **8:55**
